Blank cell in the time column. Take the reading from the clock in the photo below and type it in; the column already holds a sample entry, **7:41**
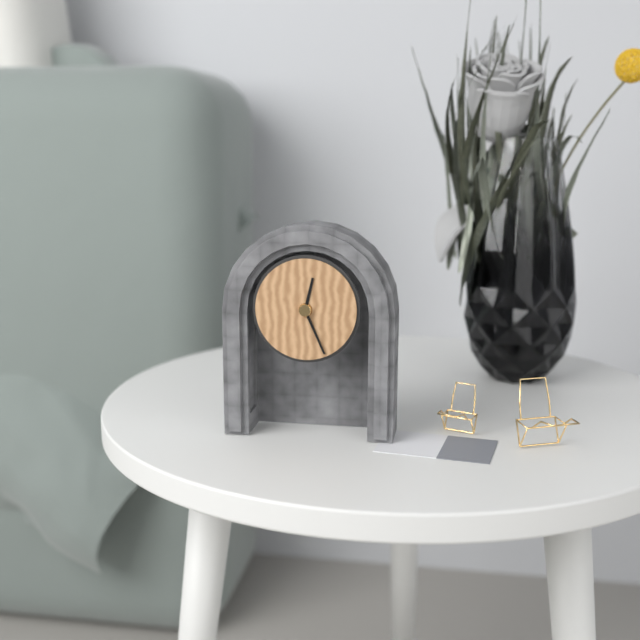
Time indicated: **12:26**
